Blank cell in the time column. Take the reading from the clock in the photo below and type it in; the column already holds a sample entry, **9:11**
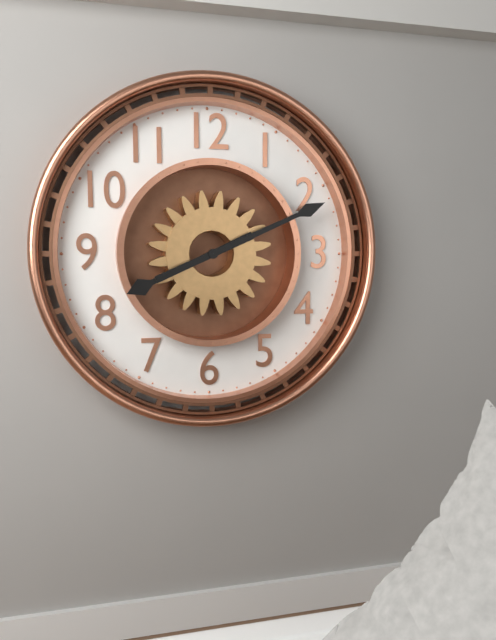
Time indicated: **8:11**
